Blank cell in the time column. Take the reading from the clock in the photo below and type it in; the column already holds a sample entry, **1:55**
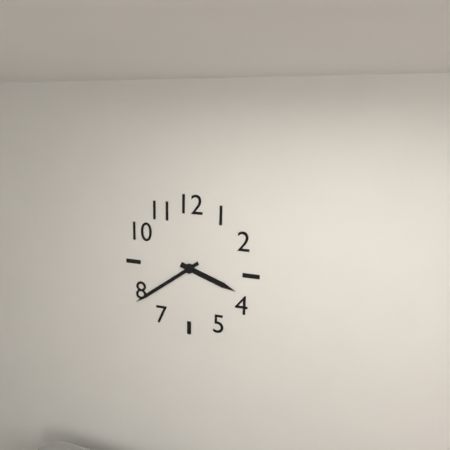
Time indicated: **3:39**
